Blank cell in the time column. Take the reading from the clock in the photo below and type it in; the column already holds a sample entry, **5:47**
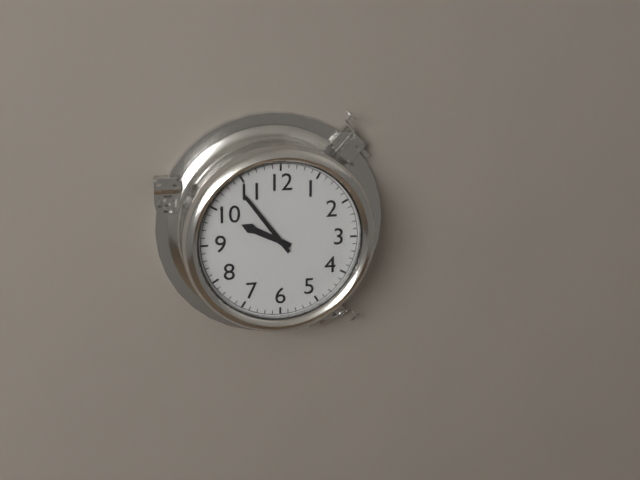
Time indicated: **9:54**
